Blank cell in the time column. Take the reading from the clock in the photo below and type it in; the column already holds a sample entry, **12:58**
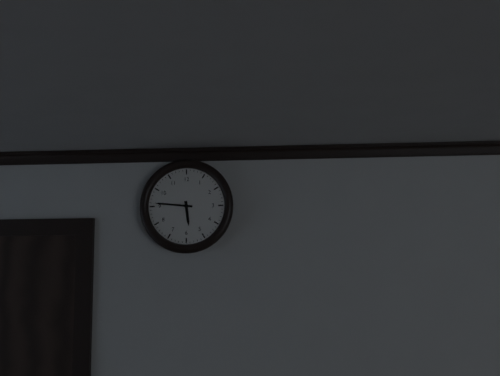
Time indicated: **5:46**
